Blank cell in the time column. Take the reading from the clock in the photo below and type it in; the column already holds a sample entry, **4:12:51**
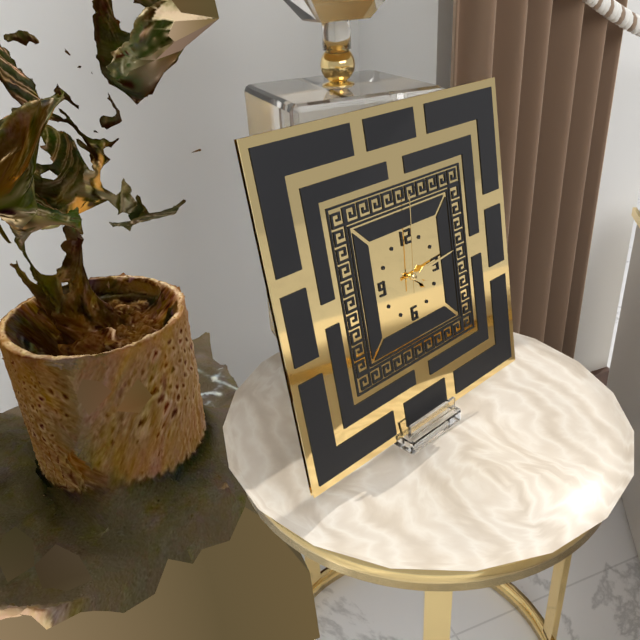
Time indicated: **4:14:01**
